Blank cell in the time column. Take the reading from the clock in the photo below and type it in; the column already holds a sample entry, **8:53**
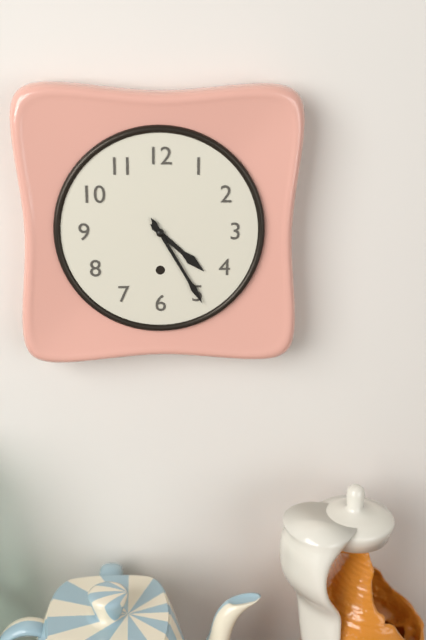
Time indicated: **4:25**
